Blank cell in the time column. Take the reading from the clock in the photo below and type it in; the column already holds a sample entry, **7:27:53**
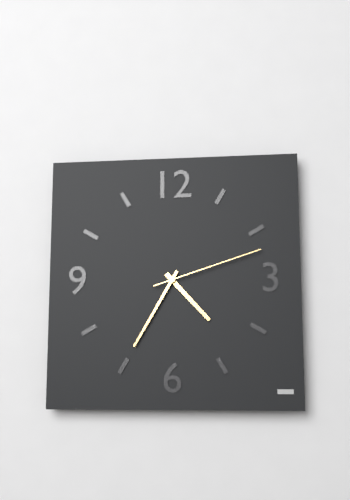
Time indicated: **4:35:12**
